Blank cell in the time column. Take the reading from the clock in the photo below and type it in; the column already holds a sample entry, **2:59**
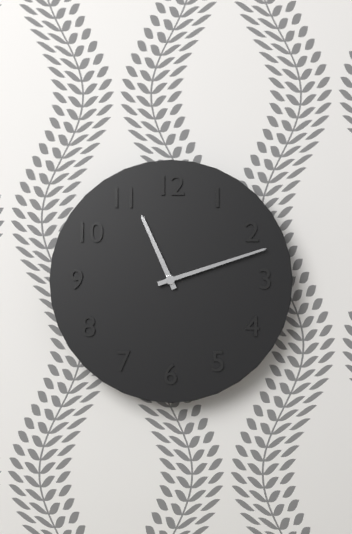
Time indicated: **11:12**
